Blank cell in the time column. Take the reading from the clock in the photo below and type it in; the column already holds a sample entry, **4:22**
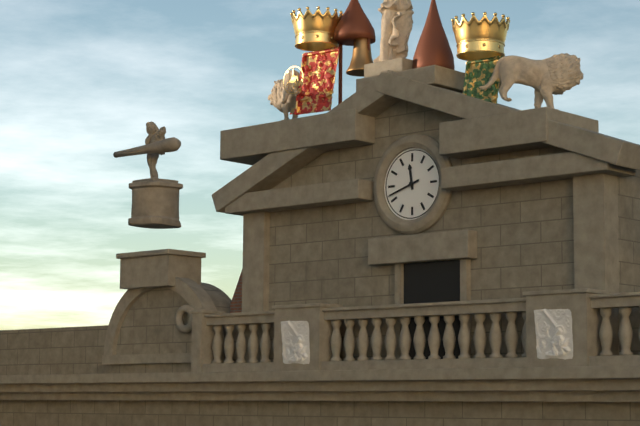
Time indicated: **11:42**
